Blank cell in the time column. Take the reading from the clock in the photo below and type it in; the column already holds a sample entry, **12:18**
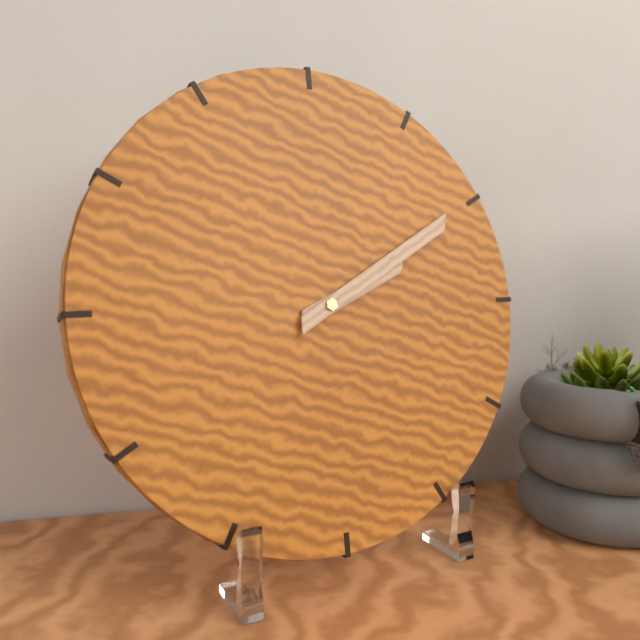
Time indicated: **2:10**
